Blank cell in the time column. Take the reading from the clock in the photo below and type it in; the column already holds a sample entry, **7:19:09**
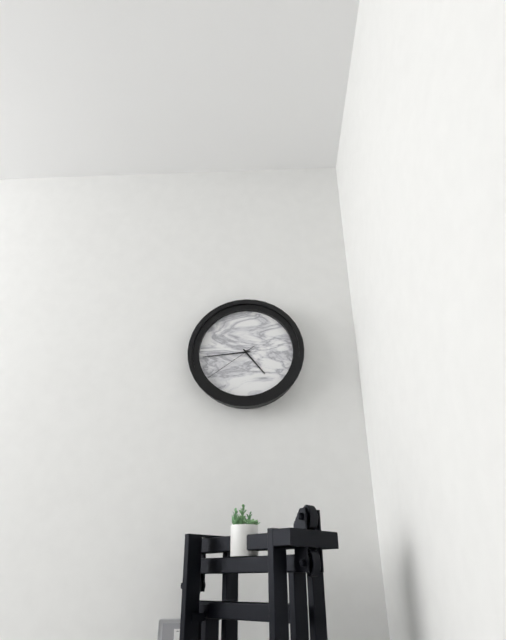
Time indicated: **4:44:39**
